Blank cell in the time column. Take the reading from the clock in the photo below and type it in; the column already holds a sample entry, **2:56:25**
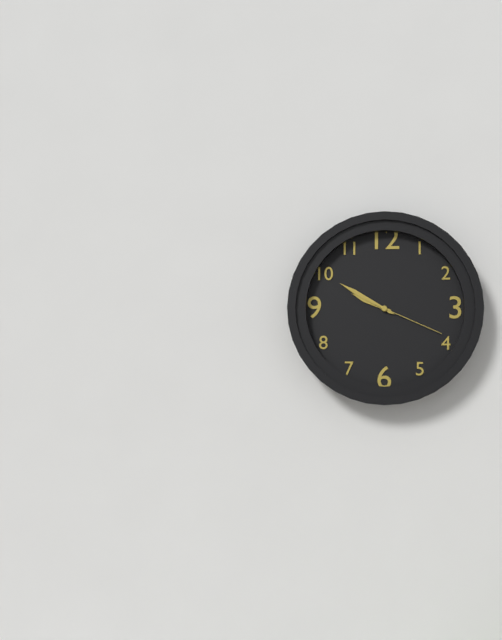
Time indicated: **9:50:19**
